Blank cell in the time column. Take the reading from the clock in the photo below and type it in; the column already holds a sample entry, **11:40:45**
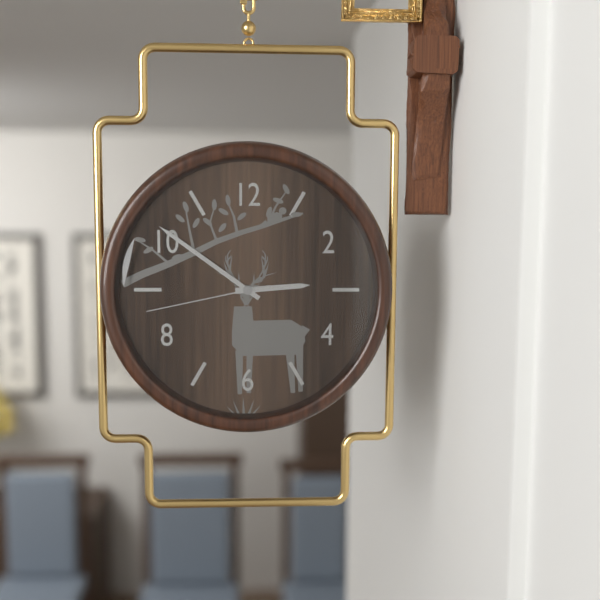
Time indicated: **2:51:43**
